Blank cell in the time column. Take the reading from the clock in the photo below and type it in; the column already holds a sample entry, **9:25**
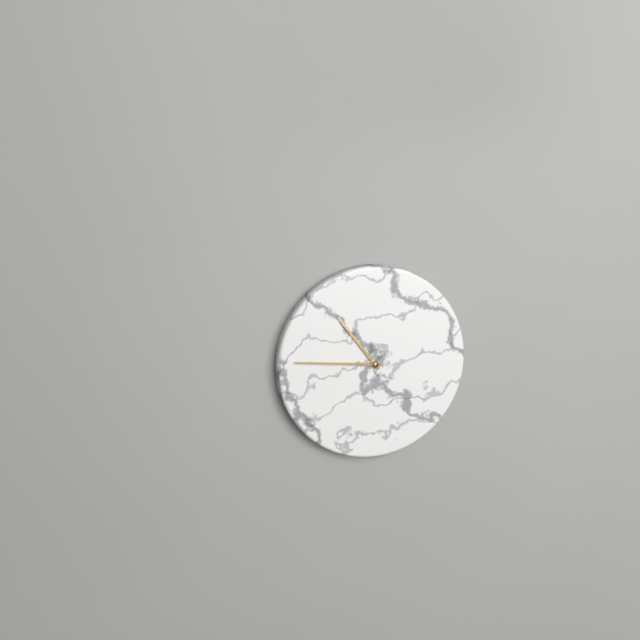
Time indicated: **10:46**
